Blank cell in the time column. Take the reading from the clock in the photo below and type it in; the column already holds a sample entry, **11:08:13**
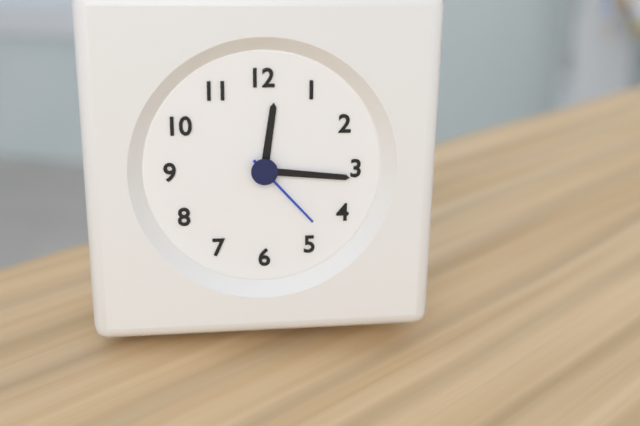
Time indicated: **12:16:23**
